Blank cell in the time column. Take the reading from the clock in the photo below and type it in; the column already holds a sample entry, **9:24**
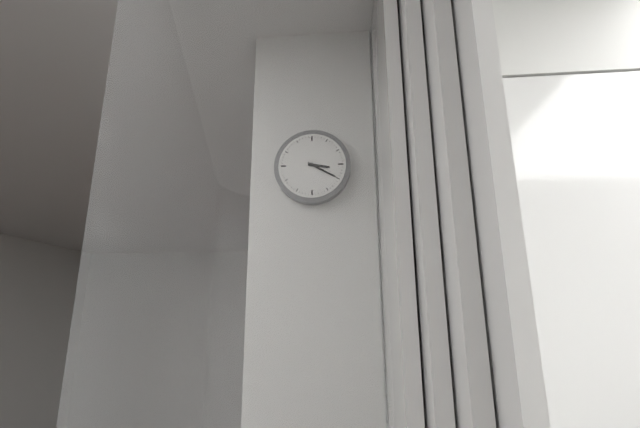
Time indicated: **3:20**
